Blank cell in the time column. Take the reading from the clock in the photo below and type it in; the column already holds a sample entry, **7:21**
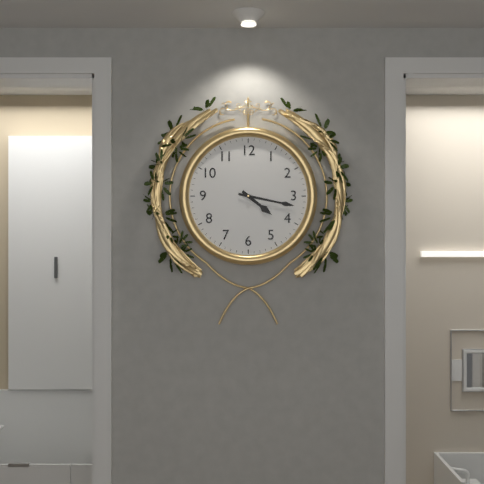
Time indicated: **4:17**
